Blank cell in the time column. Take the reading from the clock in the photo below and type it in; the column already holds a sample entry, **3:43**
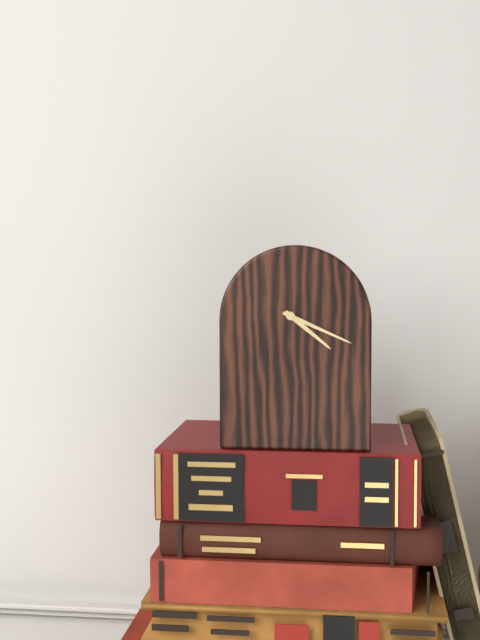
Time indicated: **4:19**
